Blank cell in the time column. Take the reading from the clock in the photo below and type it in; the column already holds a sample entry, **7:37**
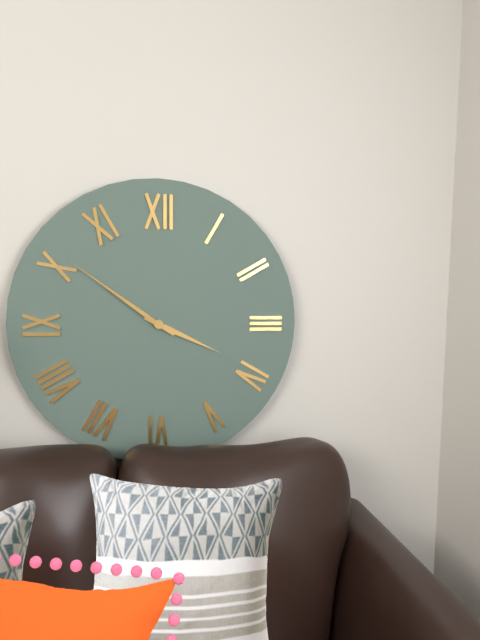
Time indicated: **3:51**
